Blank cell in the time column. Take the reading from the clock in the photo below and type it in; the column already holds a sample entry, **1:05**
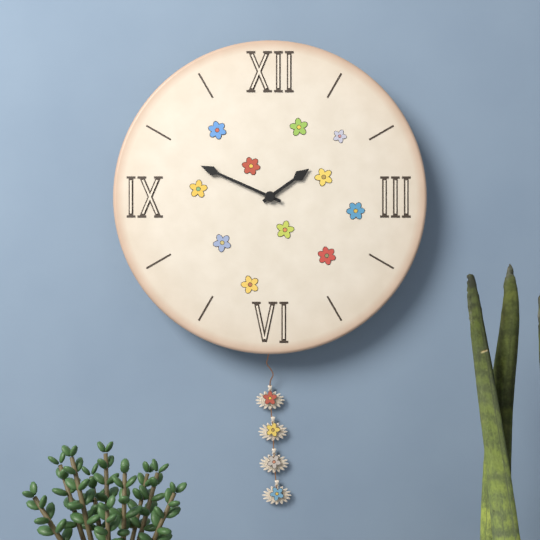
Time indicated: **1:49**
